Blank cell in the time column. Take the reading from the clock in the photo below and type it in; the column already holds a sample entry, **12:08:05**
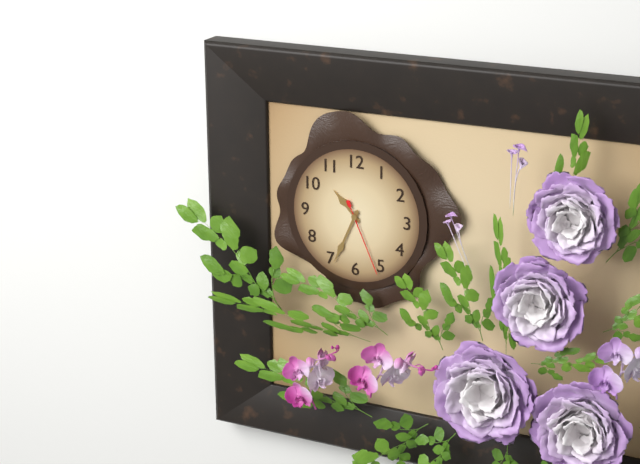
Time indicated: **10:34:26**
